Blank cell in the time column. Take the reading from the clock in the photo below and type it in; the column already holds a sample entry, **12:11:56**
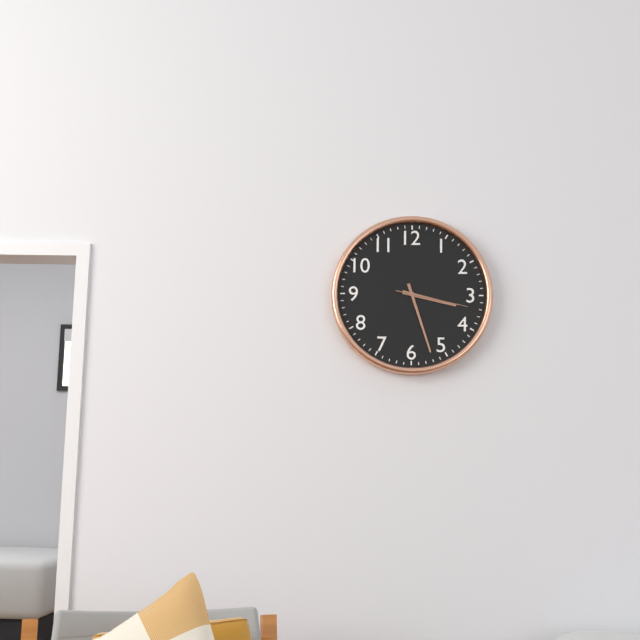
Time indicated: **3:27:17**
